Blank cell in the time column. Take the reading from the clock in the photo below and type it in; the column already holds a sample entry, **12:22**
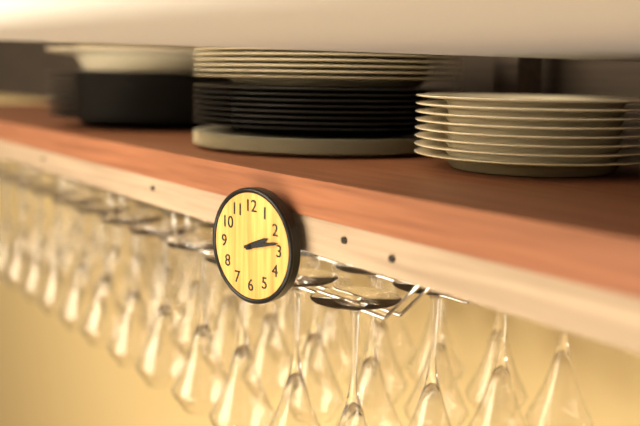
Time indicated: **2:13**
